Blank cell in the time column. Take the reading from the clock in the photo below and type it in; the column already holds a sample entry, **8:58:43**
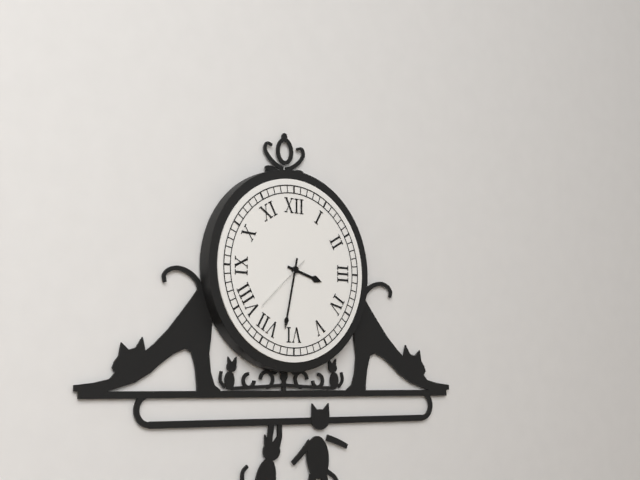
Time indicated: **3:32:38**
